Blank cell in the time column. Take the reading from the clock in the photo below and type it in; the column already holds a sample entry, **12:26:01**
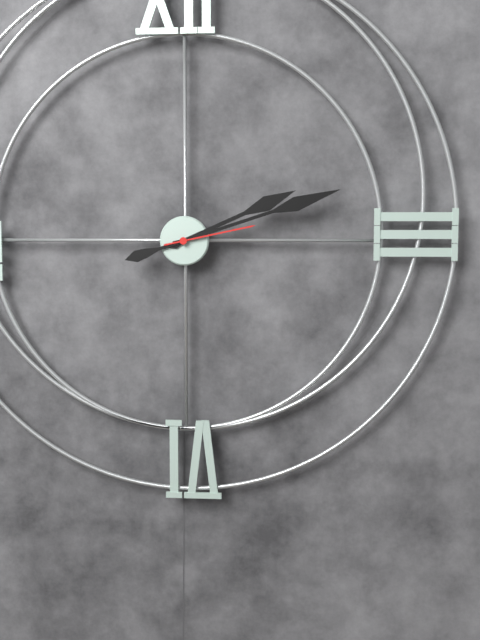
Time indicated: **2:12:13**
